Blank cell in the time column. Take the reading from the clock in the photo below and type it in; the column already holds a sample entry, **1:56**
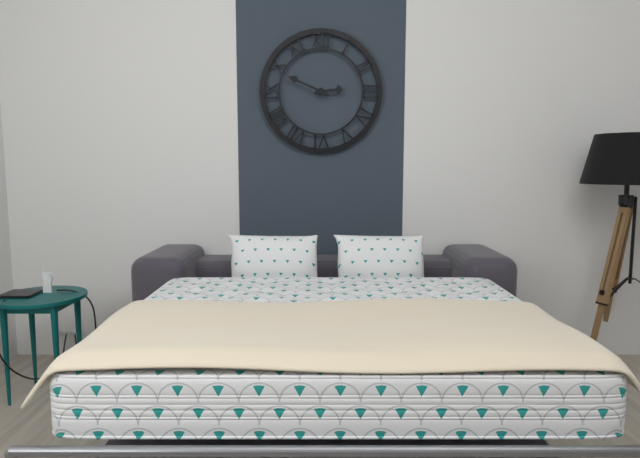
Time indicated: **2:49**
